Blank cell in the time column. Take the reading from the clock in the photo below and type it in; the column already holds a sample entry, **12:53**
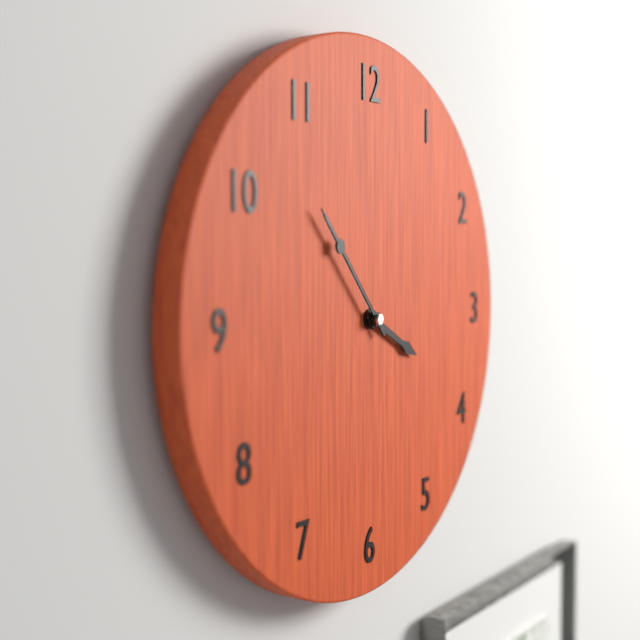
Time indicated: **3:53**
